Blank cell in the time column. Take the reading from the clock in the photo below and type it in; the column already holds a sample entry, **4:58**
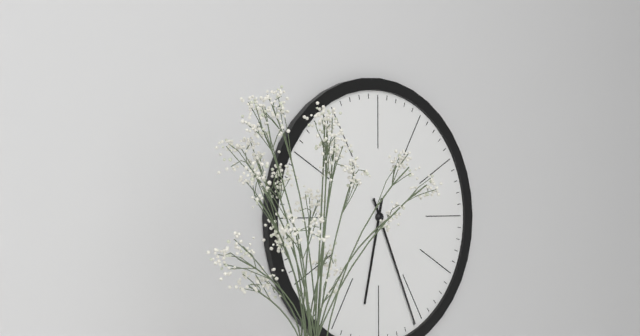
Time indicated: **6:26**
